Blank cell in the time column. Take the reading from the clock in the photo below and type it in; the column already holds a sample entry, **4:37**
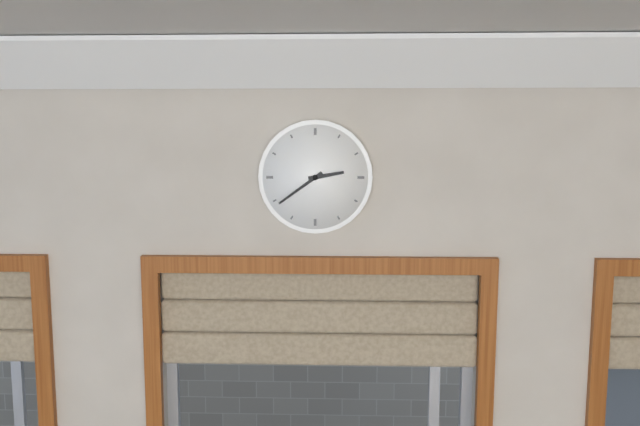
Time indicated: **2:39**
